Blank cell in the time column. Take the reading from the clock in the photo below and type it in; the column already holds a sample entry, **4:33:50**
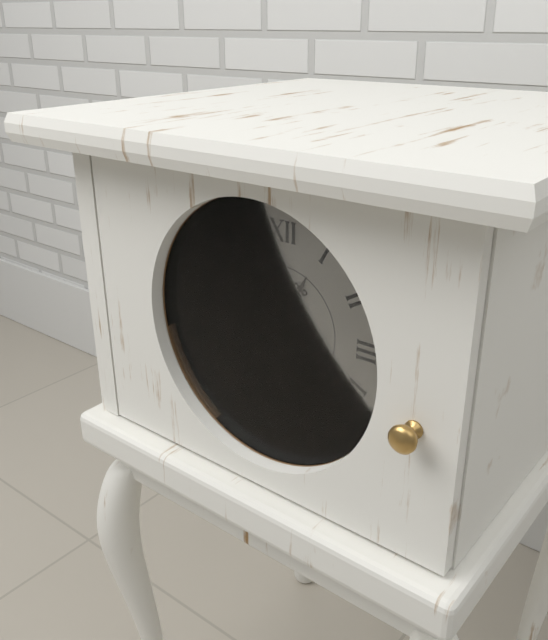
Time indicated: **12:53:56**
